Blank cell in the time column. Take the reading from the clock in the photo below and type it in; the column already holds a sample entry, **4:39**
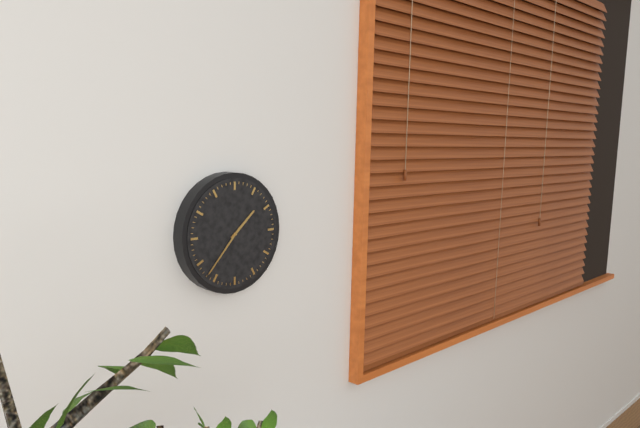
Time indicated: **1:37**
